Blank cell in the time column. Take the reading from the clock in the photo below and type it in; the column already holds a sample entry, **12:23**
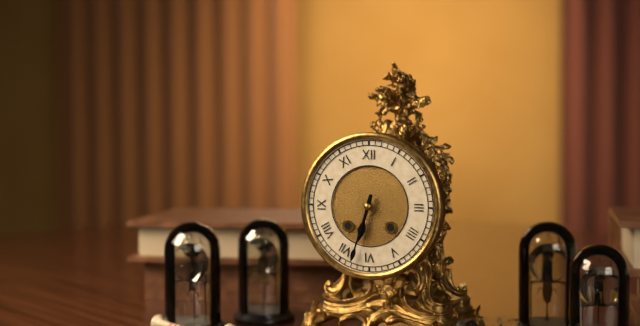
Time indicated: **6:33**
